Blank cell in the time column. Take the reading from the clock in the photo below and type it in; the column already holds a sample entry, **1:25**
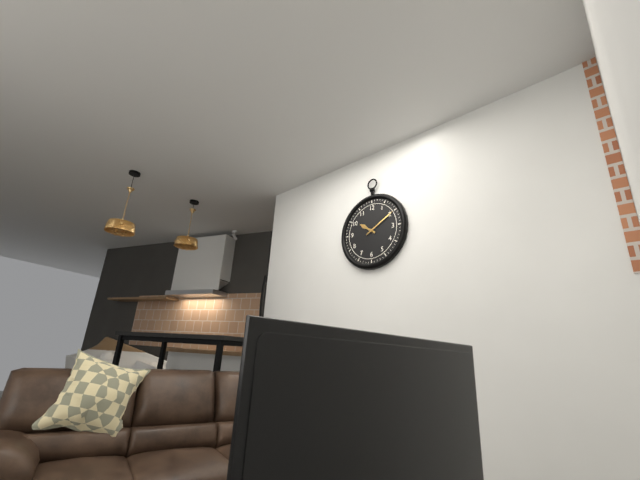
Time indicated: **10:10**
